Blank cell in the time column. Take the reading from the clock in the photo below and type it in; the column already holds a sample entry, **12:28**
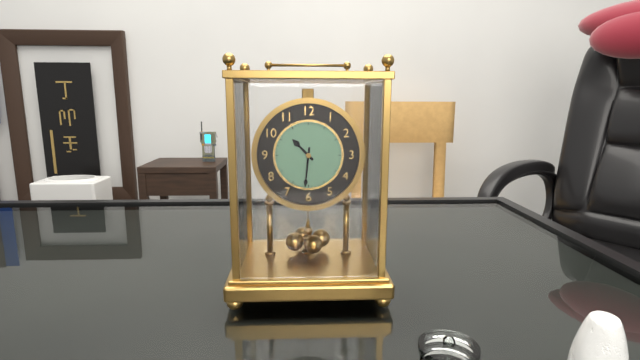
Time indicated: **10:31**
